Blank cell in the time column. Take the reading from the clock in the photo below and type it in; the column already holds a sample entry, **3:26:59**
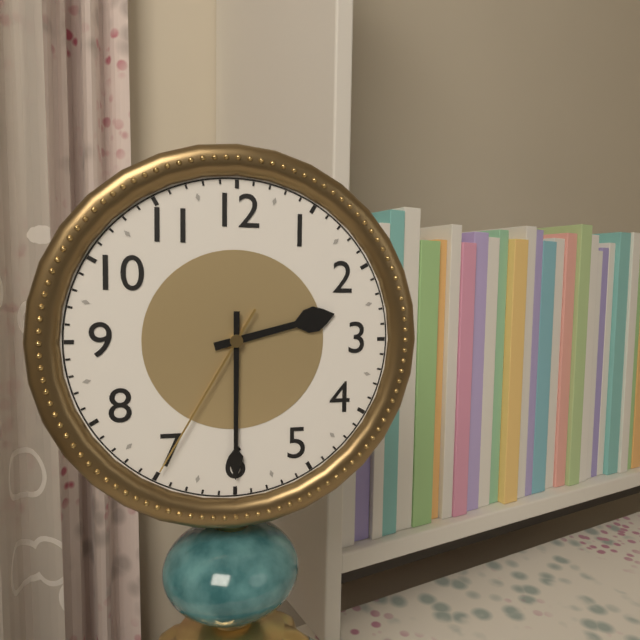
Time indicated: **2:30:35**
